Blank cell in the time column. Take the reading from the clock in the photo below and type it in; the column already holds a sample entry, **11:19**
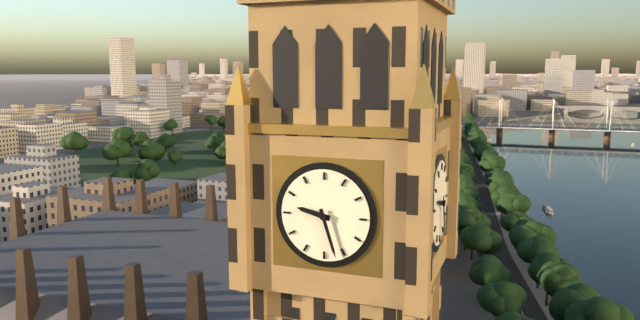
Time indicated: **9:27**
